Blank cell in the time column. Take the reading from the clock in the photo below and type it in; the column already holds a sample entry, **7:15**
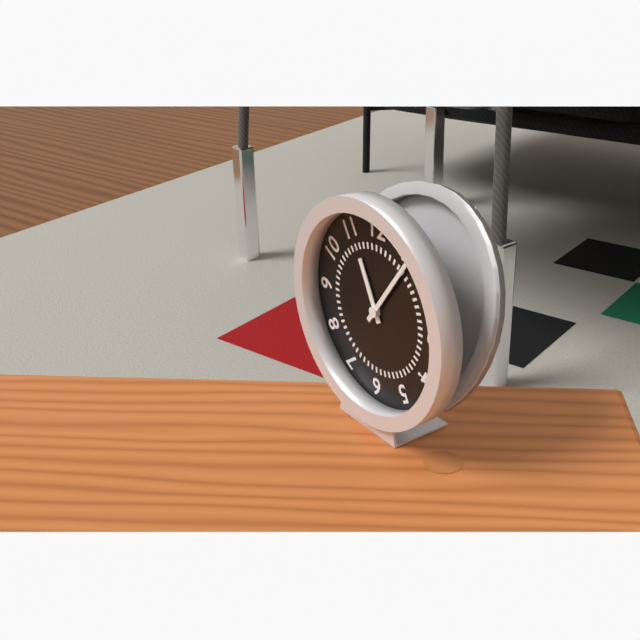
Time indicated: **11:06**
